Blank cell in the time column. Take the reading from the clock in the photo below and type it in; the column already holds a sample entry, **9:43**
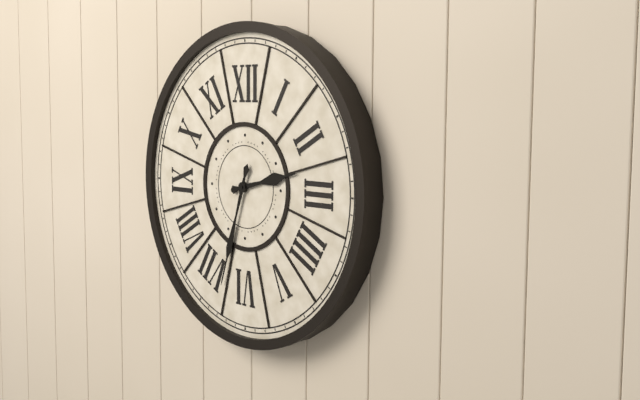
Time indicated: **2:33**
